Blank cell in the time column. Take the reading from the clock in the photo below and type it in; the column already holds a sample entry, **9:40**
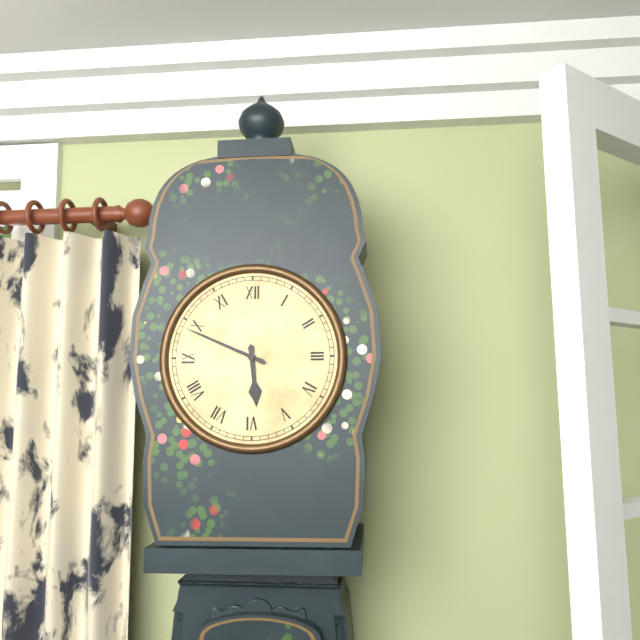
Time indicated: **5:49**
